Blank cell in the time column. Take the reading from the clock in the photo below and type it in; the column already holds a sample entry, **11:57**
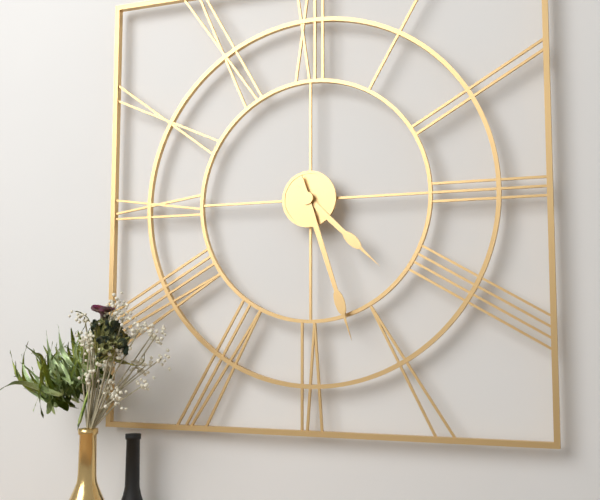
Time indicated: **4:27**
